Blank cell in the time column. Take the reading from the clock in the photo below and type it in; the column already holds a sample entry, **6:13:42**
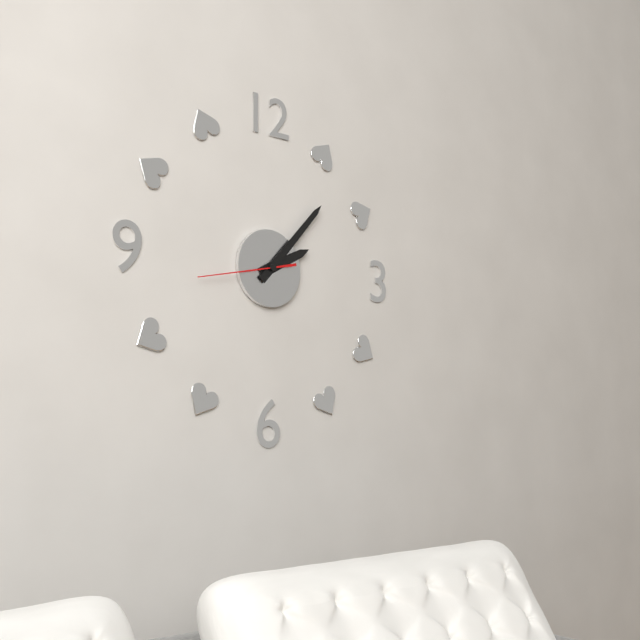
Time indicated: **2:07:43**
